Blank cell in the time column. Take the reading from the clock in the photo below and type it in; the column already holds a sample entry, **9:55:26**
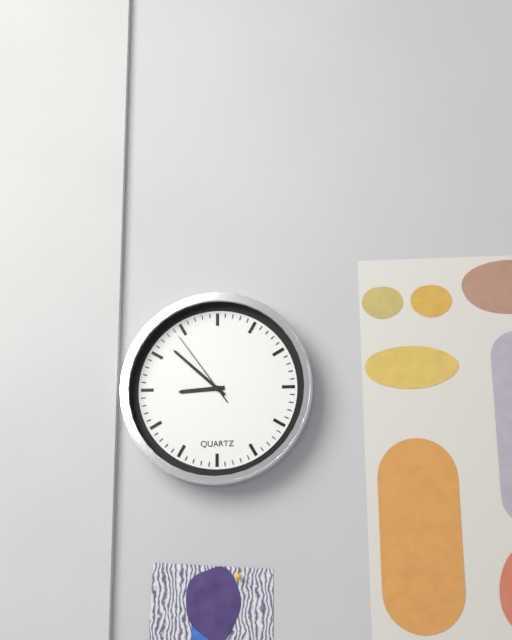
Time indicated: **8:52:54**
